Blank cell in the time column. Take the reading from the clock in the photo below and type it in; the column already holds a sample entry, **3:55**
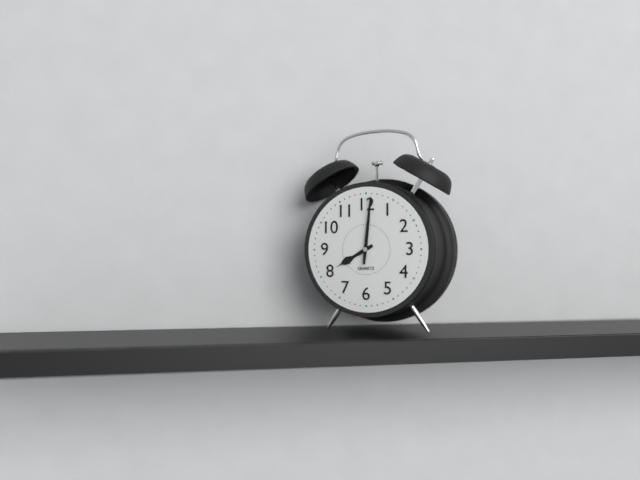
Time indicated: **8:01**
